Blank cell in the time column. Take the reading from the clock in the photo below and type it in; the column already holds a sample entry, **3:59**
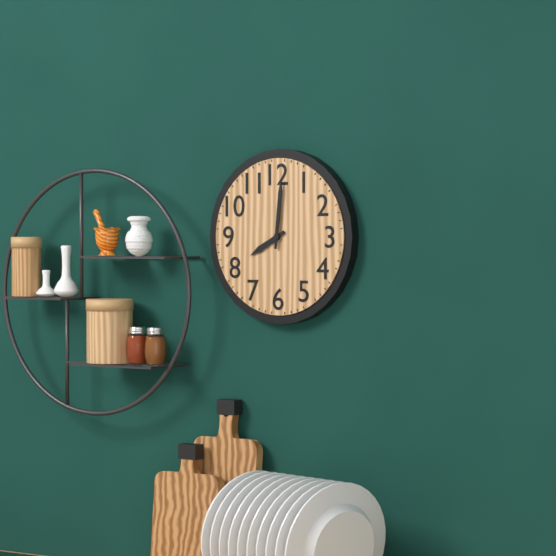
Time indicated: **8:01**
